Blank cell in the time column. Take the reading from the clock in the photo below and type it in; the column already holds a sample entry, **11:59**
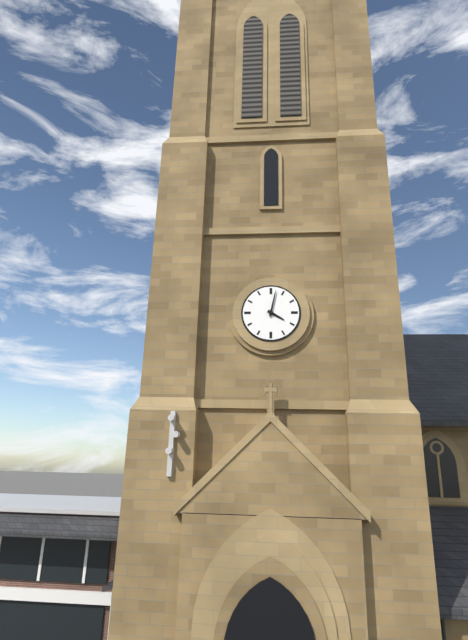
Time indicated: **4:02**
